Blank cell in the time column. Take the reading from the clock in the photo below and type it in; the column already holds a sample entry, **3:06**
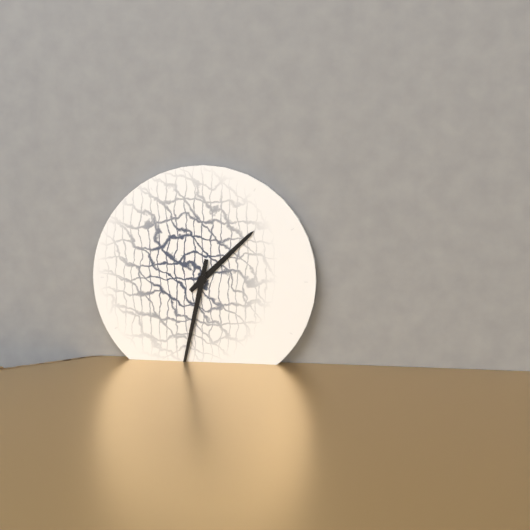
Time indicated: **1:32**
